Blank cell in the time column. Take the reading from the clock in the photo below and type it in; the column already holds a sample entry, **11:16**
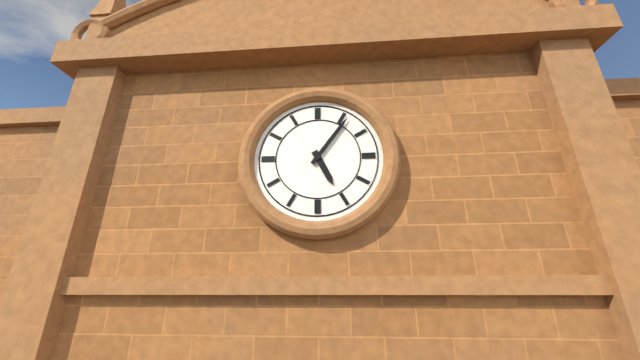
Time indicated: **5:06**
